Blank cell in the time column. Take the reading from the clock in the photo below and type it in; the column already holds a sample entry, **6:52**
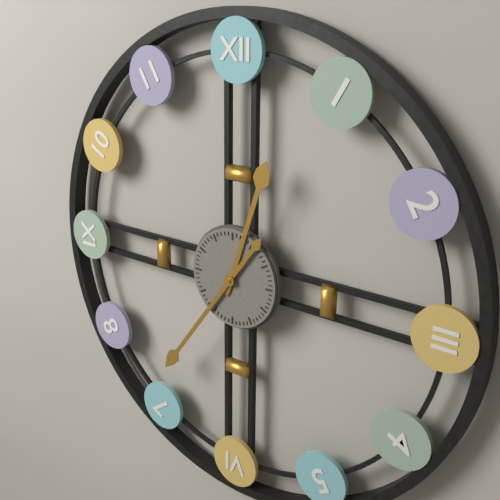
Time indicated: **12:36**
